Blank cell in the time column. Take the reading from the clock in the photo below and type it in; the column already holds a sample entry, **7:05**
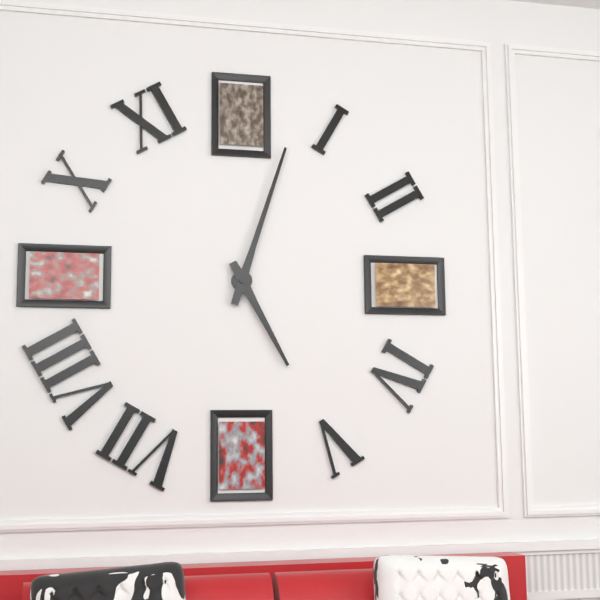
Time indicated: **5:03**
